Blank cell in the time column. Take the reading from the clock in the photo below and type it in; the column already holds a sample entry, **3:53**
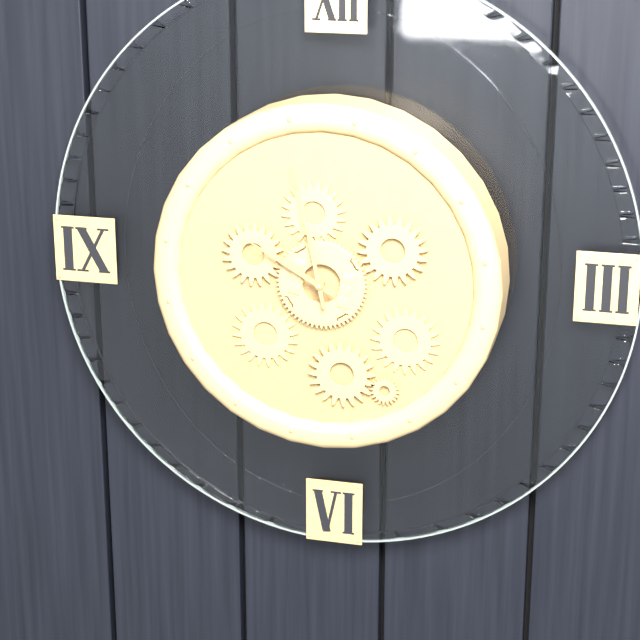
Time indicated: **9:58**
